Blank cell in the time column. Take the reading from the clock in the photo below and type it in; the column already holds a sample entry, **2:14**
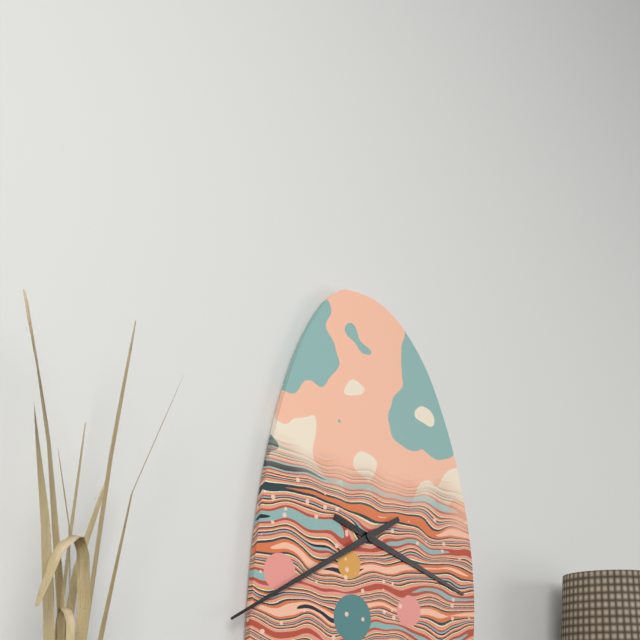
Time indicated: **3:40**
